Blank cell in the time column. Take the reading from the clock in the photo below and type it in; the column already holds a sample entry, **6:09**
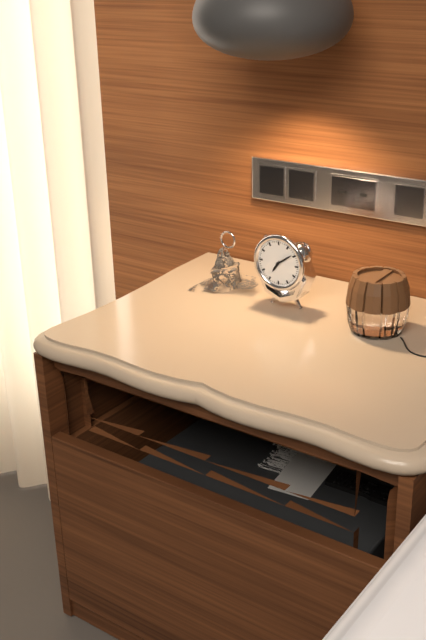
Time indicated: **7:09**
